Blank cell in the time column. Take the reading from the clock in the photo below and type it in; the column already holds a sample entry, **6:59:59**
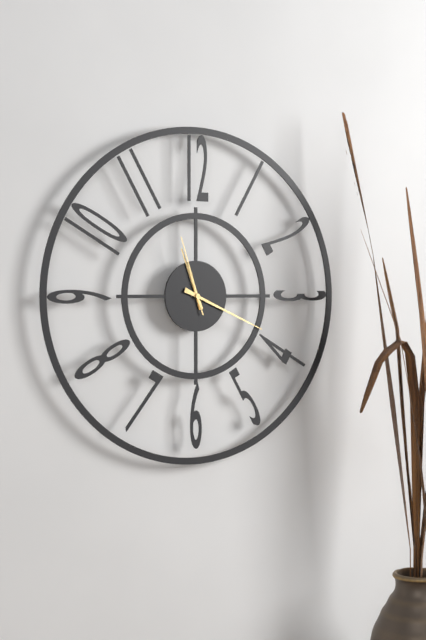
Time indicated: **11:19:57**
